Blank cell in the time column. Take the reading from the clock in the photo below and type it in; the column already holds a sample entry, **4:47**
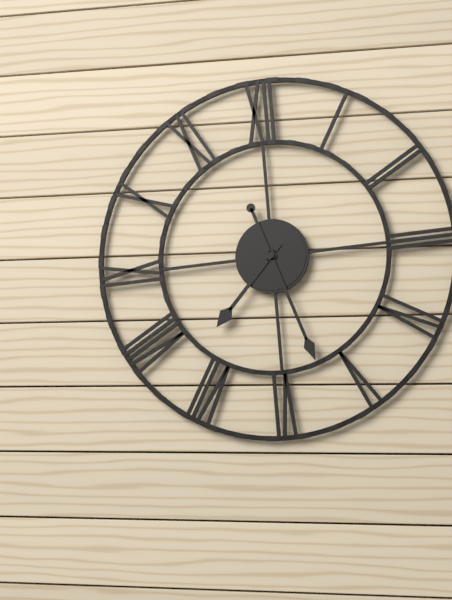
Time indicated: **7:27**
